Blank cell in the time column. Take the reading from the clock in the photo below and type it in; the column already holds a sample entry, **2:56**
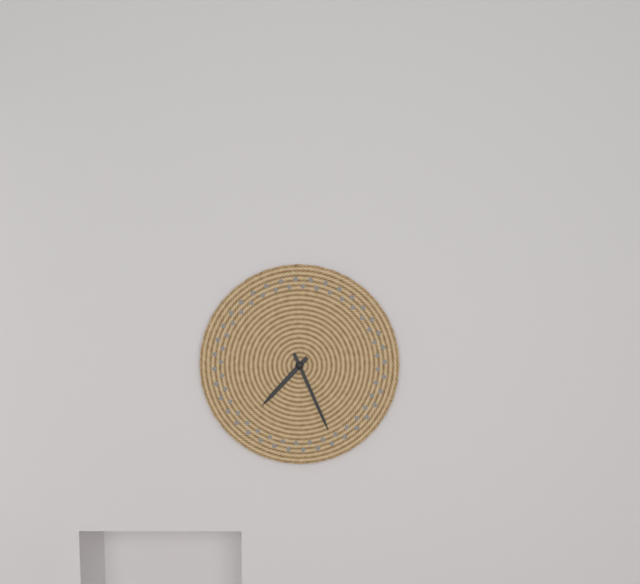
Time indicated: **7:26**
